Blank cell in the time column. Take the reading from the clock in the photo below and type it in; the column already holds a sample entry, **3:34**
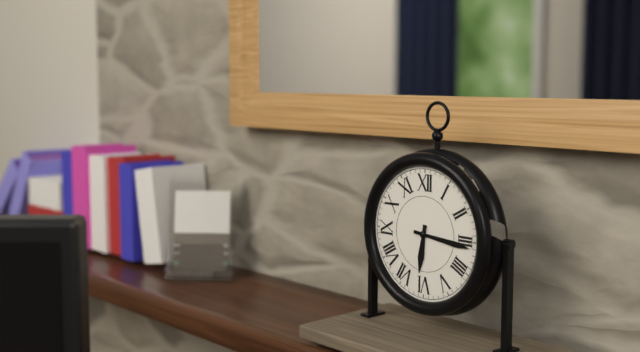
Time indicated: **6:16**
